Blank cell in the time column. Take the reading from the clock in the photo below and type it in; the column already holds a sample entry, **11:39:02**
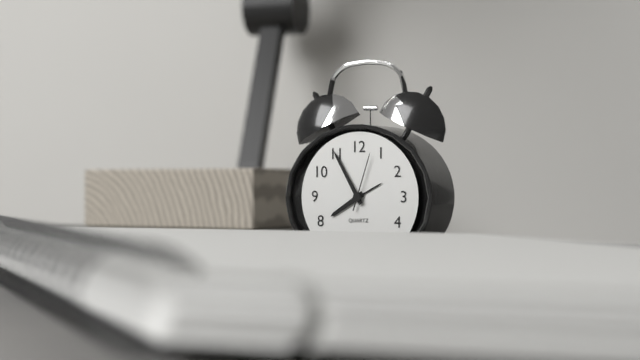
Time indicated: **7:55:03**
